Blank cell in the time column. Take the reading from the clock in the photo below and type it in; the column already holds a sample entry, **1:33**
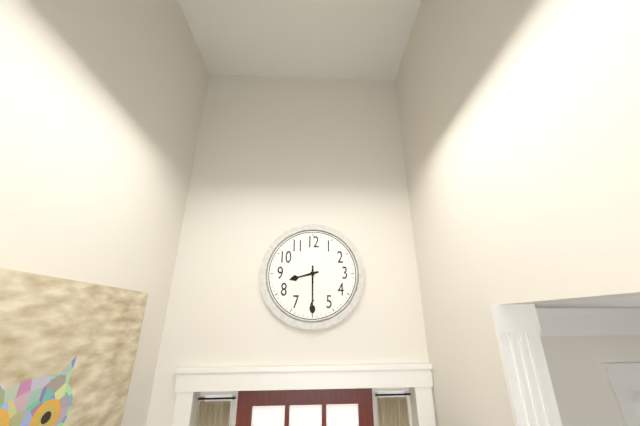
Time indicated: **8:30**
